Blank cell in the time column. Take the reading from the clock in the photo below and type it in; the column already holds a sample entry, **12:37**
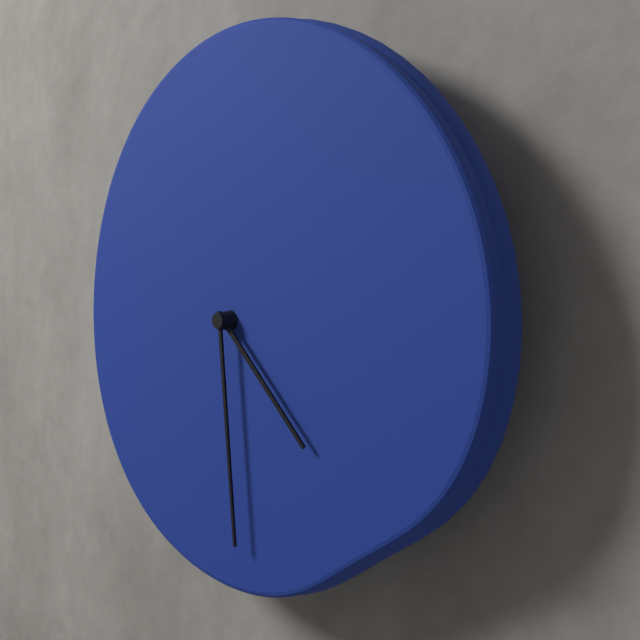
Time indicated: **4:29**
